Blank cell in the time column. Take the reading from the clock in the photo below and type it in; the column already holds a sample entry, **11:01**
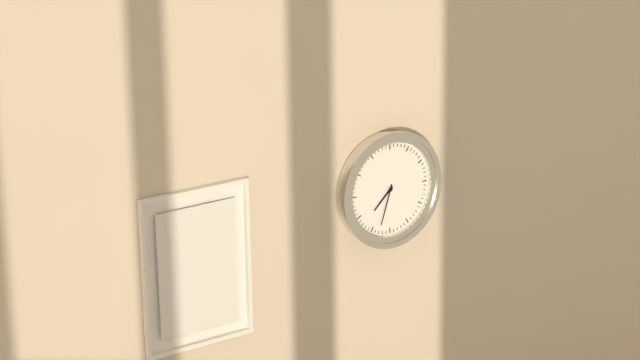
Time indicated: **7:33**
